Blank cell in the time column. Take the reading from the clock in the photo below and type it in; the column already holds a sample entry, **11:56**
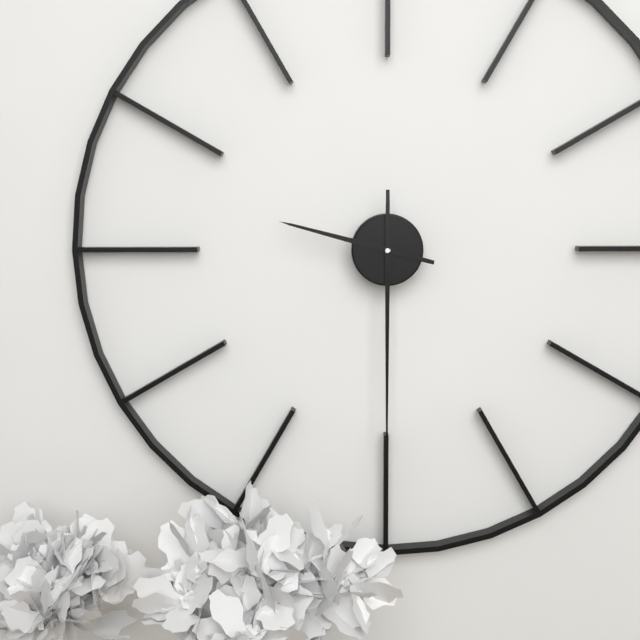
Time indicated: **9:30**
